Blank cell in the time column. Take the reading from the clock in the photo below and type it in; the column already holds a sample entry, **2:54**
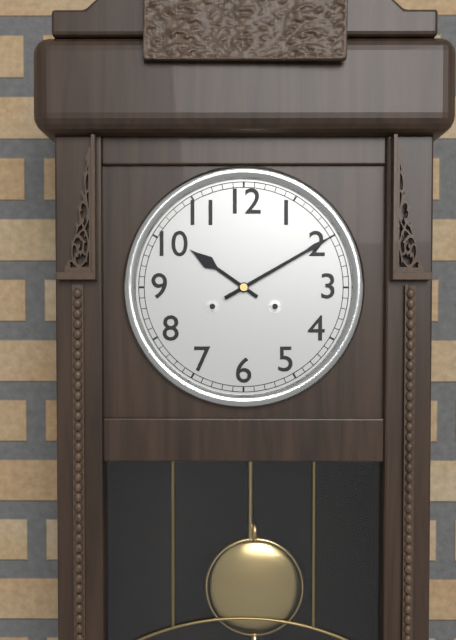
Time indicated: **10:10**
